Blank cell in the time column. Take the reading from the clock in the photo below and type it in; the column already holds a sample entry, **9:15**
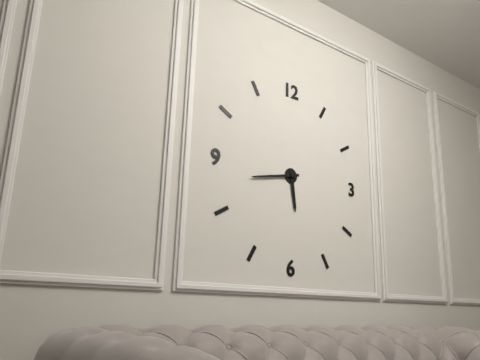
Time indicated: **5:43**
